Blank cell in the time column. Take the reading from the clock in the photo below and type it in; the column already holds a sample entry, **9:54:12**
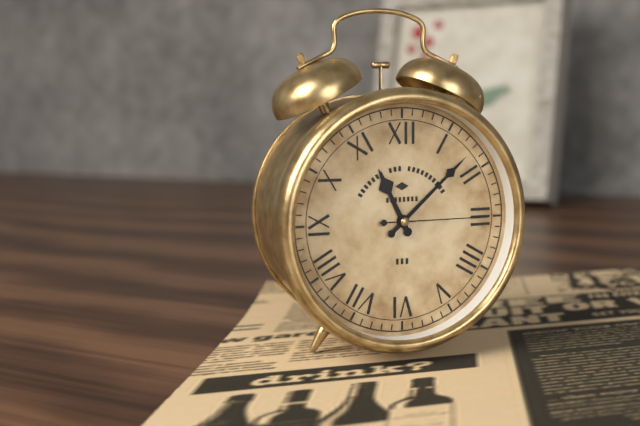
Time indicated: **11:08:15**
